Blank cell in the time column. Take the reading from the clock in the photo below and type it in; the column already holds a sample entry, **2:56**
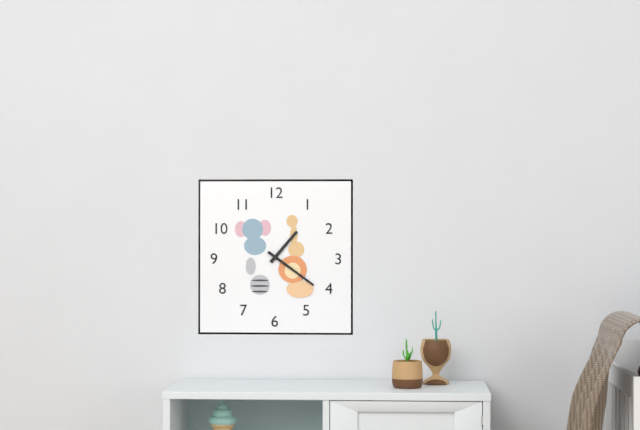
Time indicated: **1:21**
